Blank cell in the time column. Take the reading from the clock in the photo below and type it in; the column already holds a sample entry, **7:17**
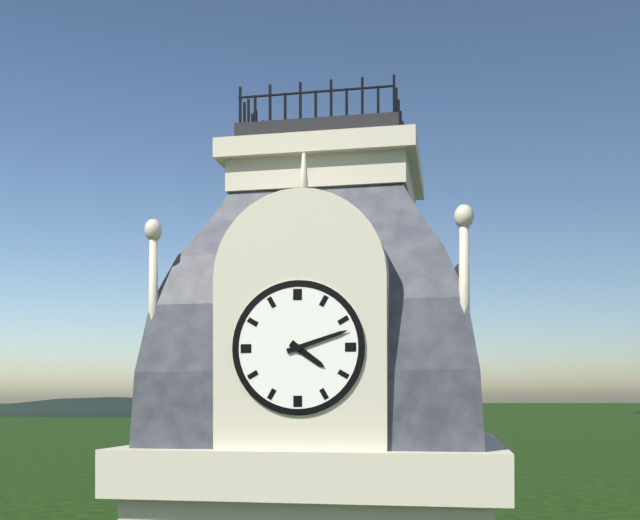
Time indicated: **4:12**
